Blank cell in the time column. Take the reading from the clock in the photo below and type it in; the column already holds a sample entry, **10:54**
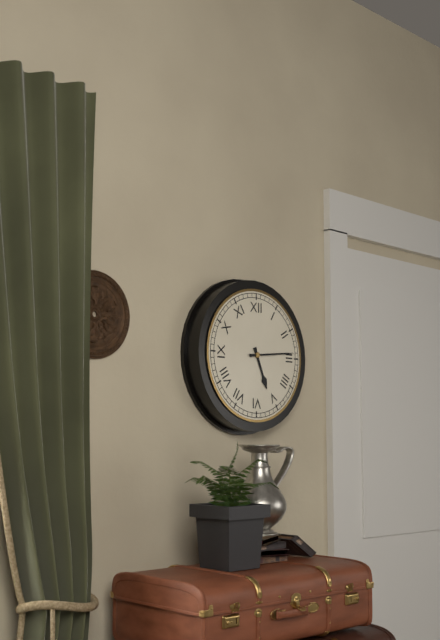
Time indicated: **5:14**
